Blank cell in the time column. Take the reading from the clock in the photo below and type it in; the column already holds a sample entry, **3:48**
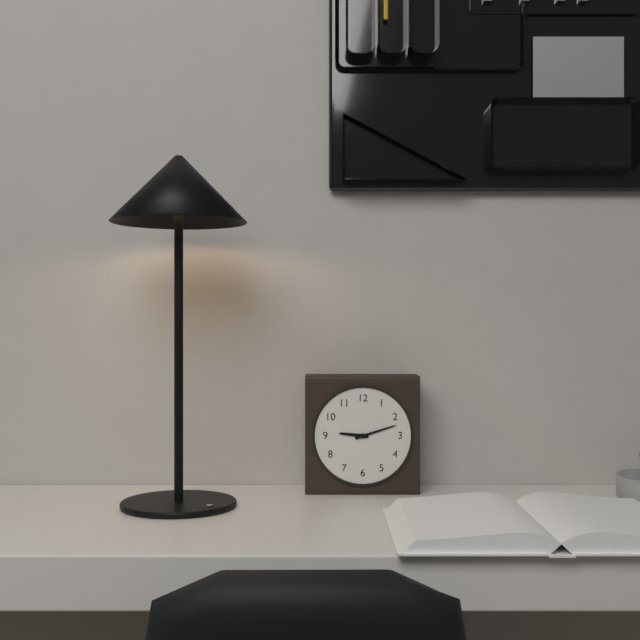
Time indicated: **9:12**
